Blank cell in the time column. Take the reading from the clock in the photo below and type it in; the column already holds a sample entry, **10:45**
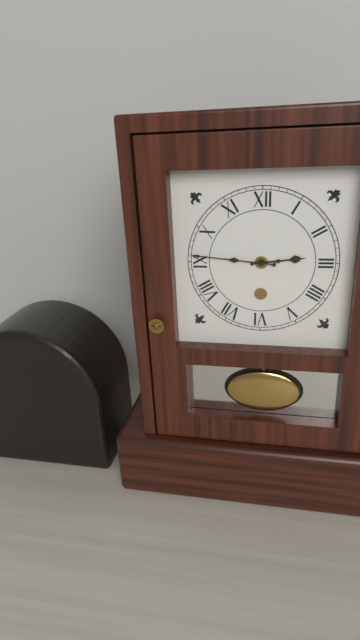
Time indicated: **2:46**
